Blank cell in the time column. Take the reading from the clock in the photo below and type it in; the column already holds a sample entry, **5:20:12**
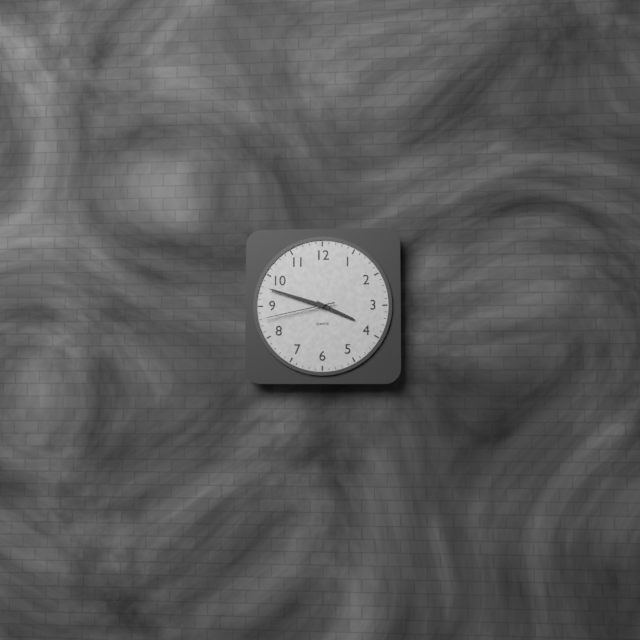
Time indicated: **3:48:43**
